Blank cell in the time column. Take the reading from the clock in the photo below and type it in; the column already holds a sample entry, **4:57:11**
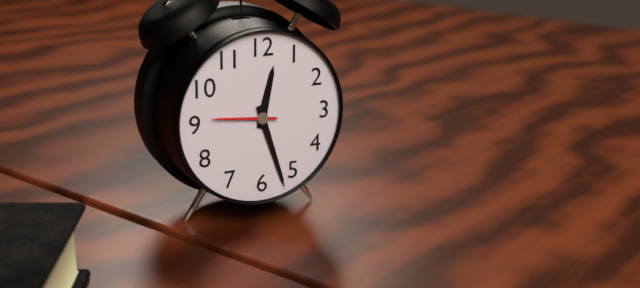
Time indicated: **12:27:46**
